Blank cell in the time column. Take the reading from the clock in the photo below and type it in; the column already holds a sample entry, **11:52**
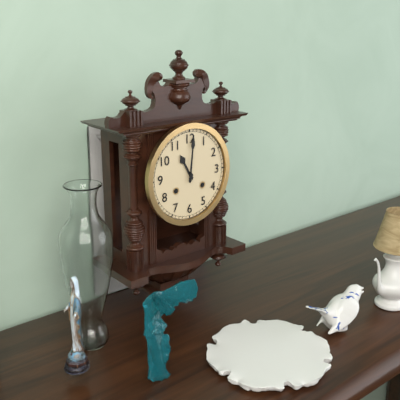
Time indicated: **11:01**
